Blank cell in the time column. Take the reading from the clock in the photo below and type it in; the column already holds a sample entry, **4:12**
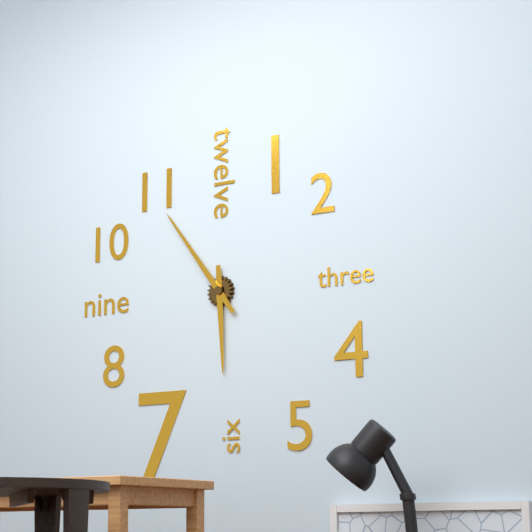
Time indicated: **5:54**
